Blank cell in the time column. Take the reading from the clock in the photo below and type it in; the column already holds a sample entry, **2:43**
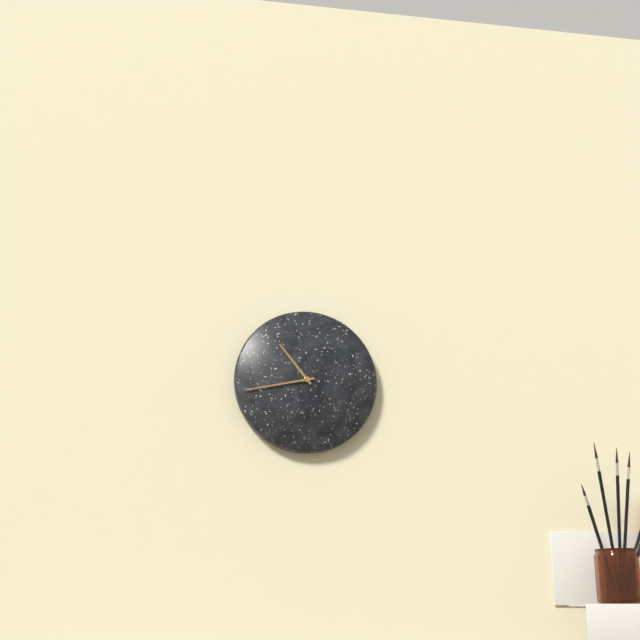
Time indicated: **10:43**
